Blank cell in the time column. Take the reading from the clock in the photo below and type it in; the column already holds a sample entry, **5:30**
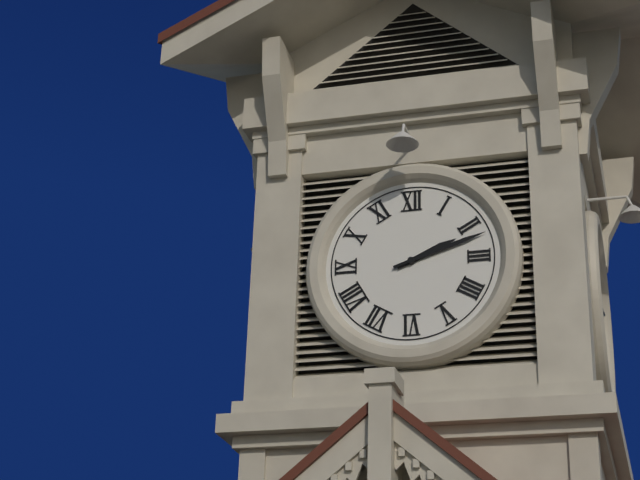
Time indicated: **2:12**
